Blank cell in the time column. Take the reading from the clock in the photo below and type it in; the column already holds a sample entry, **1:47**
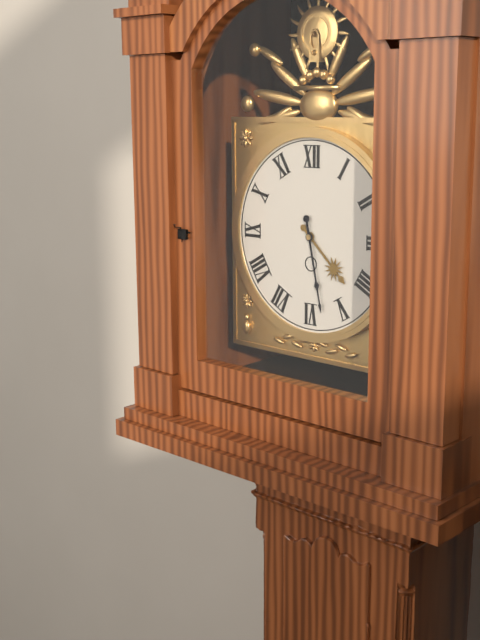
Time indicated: **4:28**
